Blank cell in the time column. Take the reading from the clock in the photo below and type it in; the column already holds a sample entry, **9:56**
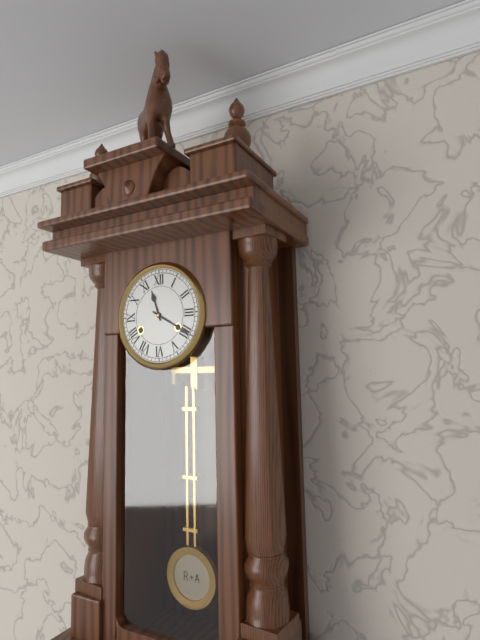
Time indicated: **11:20**
